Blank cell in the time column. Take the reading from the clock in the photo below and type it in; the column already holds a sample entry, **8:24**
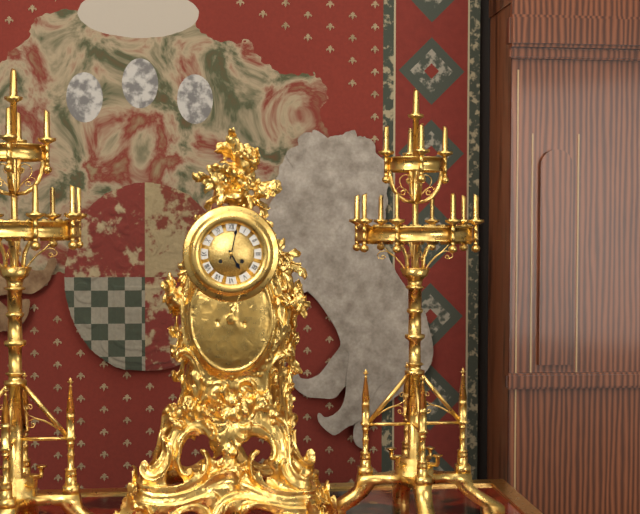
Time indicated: **5:02**
